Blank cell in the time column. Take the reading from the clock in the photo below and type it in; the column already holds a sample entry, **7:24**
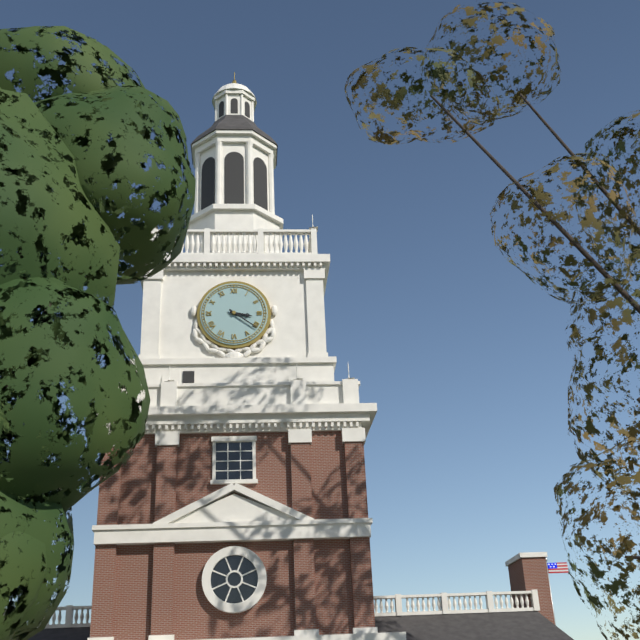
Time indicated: **3:21**
